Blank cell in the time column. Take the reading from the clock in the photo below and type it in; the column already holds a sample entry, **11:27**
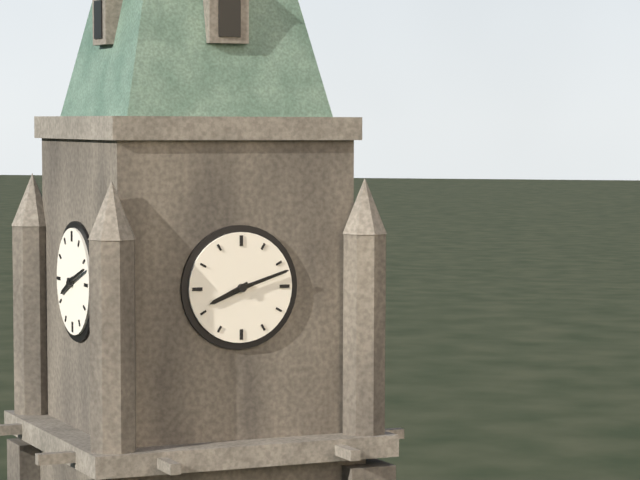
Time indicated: **8:12**
